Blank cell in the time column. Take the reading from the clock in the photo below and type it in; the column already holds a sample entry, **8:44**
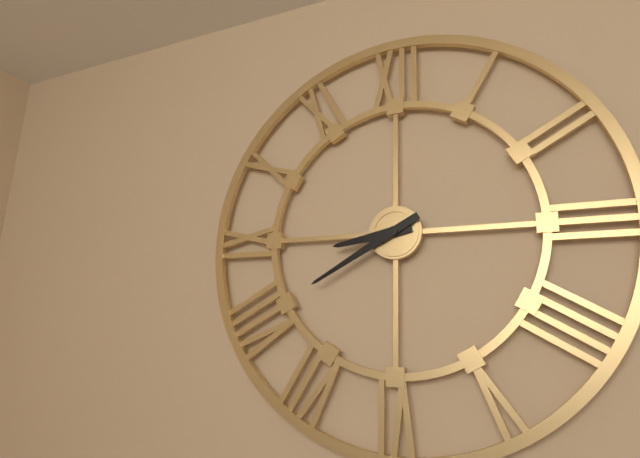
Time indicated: **8:40**
